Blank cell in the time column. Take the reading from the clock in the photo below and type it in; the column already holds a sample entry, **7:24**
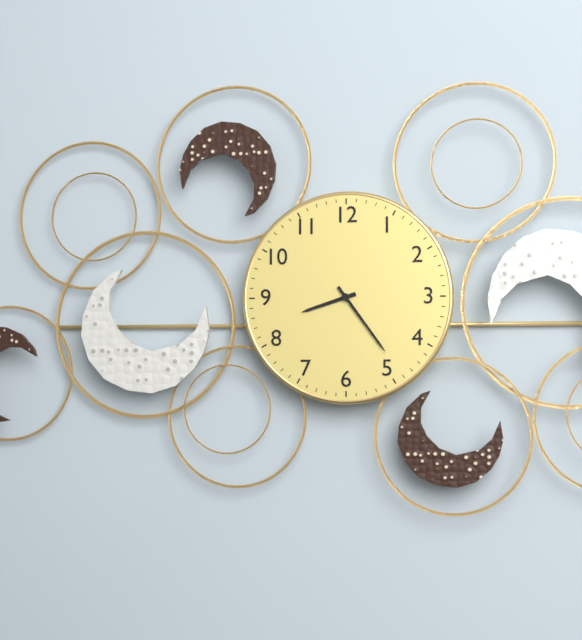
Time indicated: **8:24**
